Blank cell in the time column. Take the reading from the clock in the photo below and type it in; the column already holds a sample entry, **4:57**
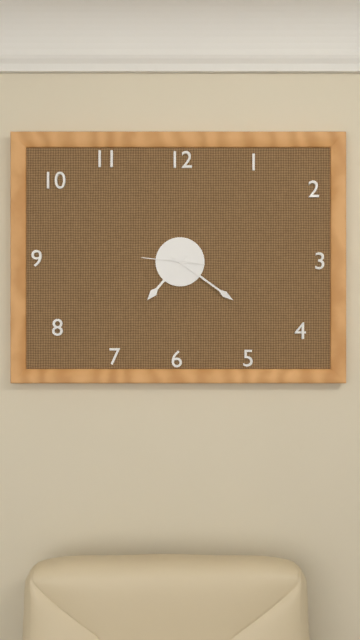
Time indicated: **7:21**
